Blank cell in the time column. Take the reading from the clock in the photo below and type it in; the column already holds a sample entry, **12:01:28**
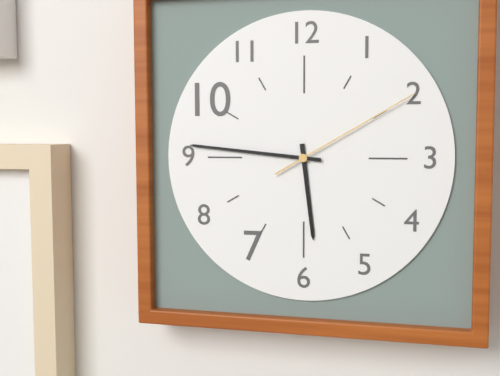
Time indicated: **5:46:10**
